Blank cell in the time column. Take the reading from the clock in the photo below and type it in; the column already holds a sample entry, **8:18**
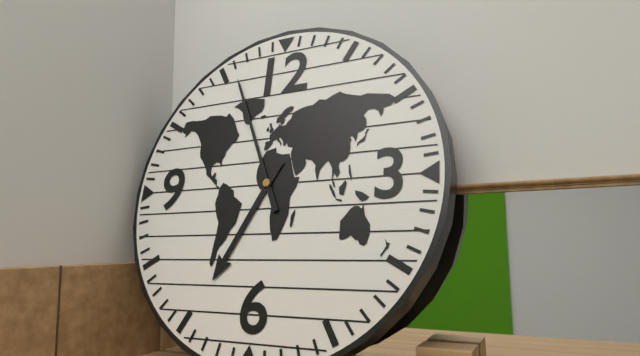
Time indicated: **6:56**
